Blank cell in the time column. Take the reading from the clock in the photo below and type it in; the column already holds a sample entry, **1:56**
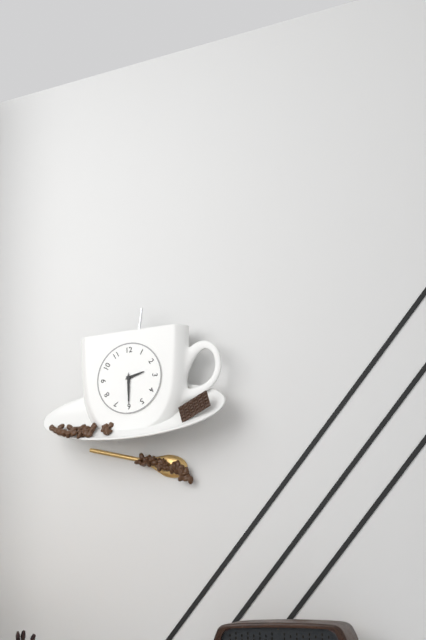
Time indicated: **2:30**
